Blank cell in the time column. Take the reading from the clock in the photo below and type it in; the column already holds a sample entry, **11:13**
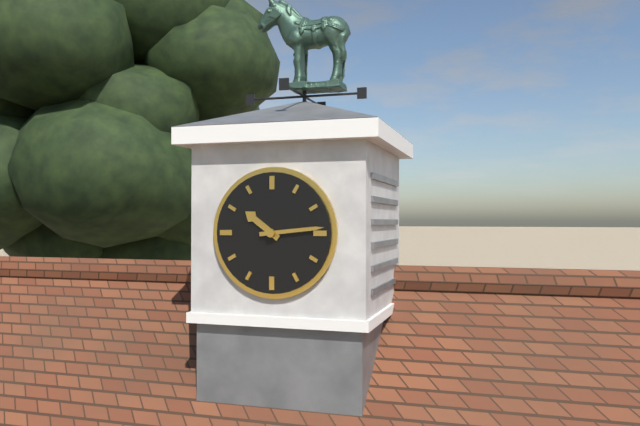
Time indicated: **10:14**
